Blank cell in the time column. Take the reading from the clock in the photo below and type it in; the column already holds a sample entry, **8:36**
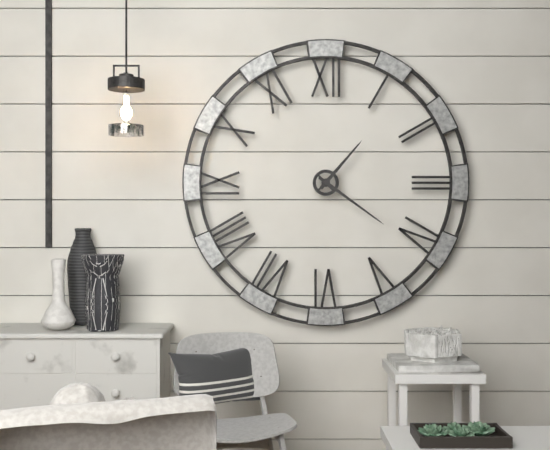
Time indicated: **1:21**
